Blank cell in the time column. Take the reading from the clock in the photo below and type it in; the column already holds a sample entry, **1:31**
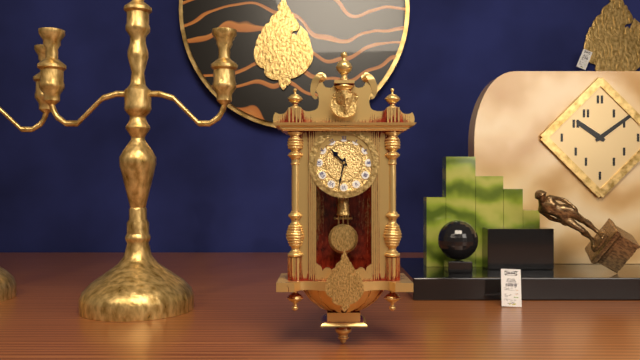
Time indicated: **10:32**
